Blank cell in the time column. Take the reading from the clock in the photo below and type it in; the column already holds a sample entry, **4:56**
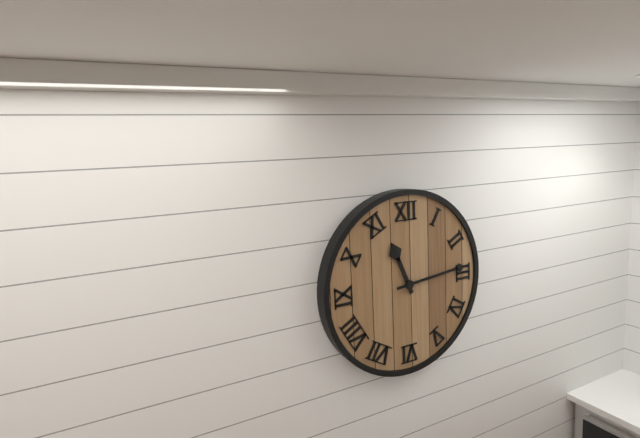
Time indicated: **11:14**
